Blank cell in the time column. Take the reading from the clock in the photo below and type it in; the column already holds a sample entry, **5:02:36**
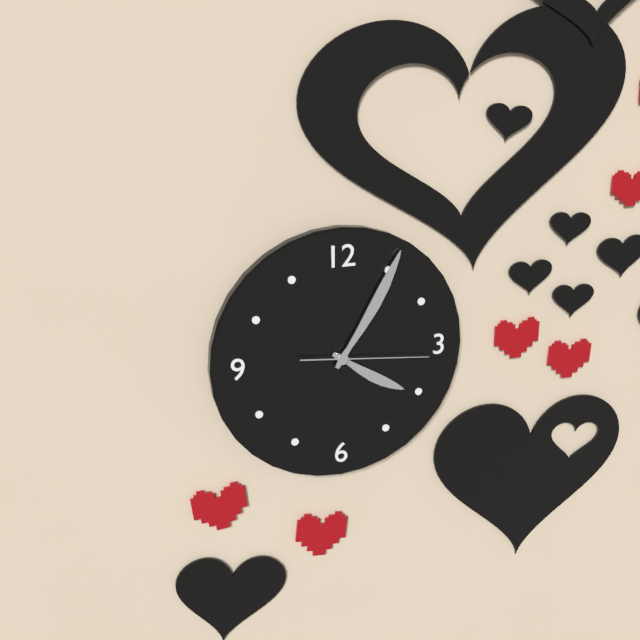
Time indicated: **4:05:16**
